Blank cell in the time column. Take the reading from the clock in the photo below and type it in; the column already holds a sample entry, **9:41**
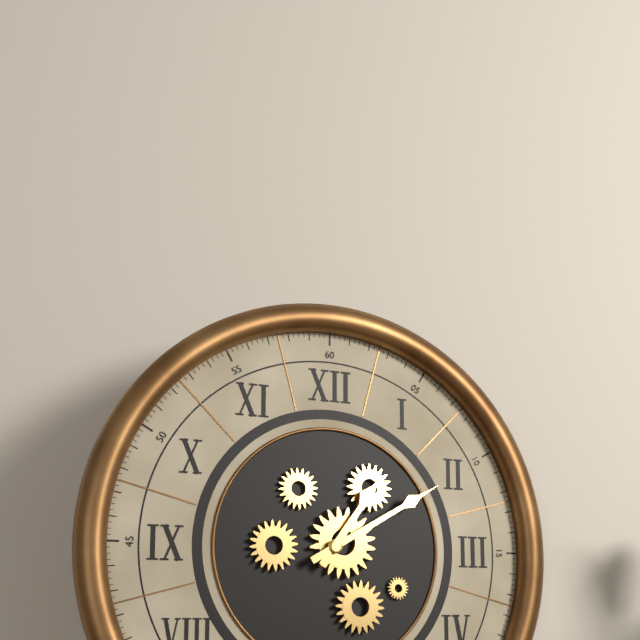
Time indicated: **1:10**
